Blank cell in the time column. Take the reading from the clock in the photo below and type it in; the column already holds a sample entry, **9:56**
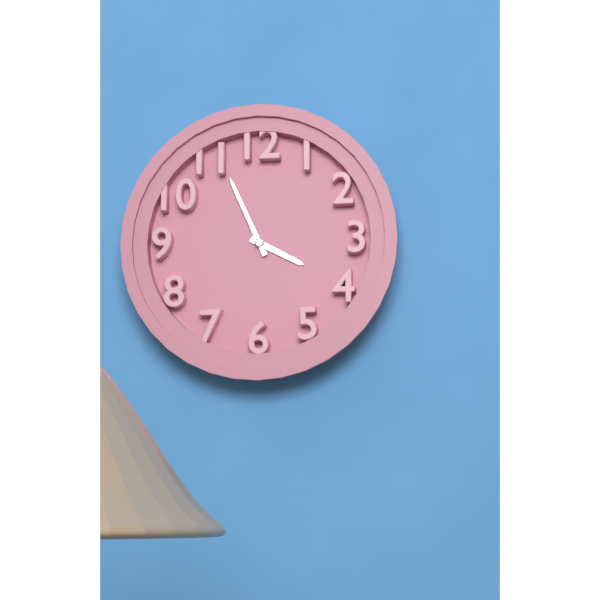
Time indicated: **3:56**
